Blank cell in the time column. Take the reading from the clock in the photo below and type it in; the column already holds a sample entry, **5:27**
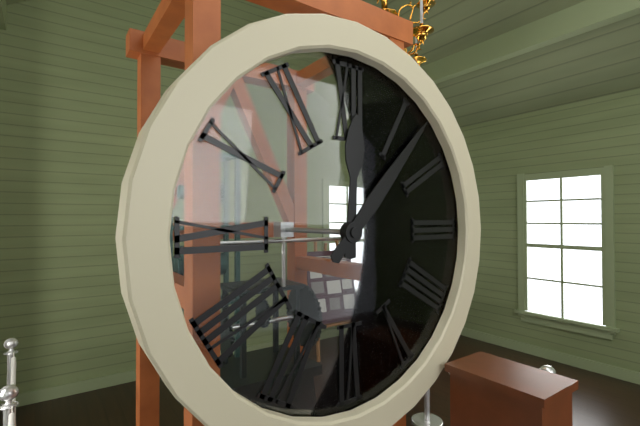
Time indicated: **12:07**
